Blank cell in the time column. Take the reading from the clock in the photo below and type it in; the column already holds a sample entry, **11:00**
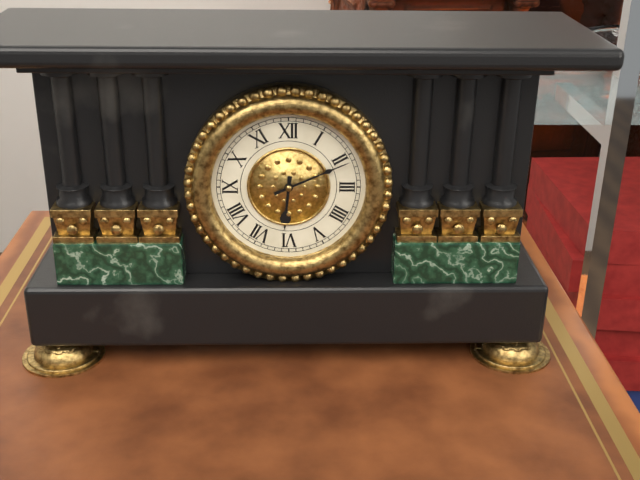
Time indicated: **6:11**
